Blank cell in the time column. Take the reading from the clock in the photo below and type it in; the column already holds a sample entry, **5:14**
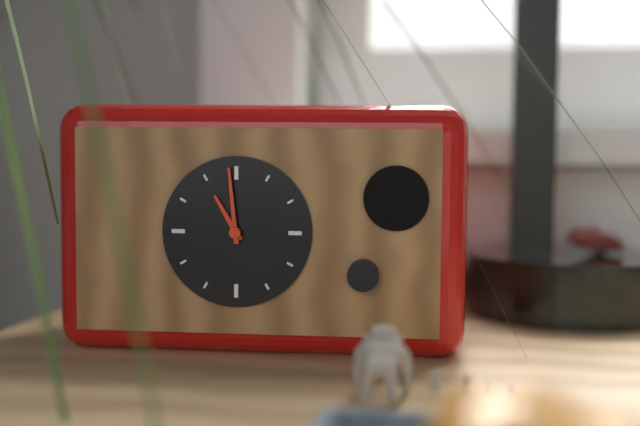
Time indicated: **10:59**
